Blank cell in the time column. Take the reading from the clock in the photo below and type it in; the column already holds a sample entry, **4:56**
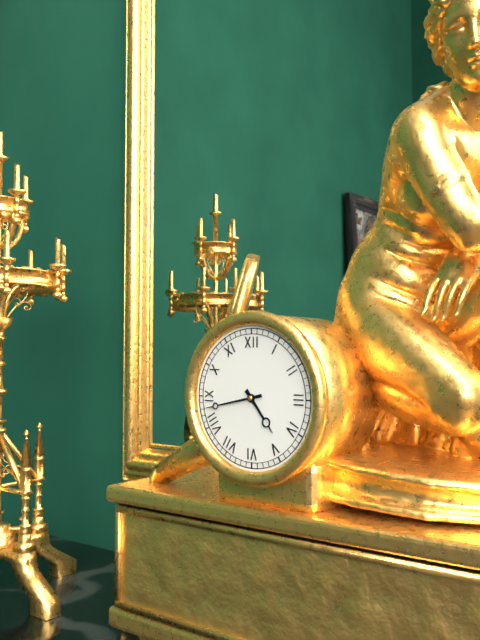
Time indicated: **4:43**
